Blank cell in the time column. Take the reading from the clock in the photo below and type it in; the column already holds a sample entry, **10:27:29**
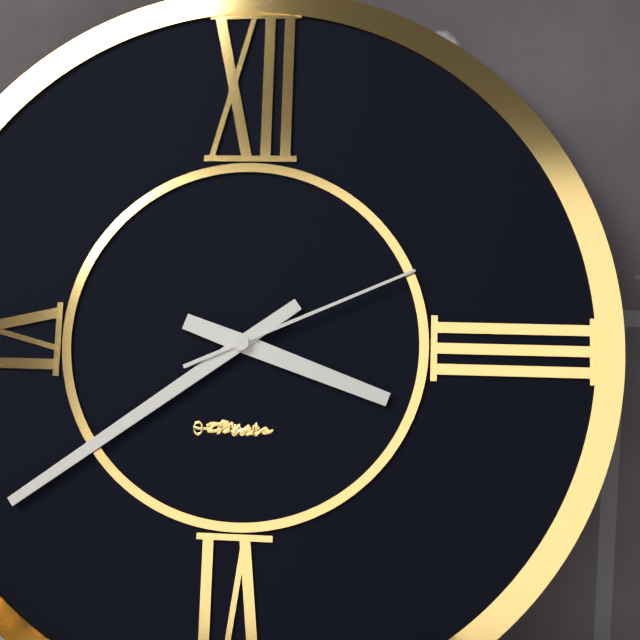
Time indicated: **3:39:11**
